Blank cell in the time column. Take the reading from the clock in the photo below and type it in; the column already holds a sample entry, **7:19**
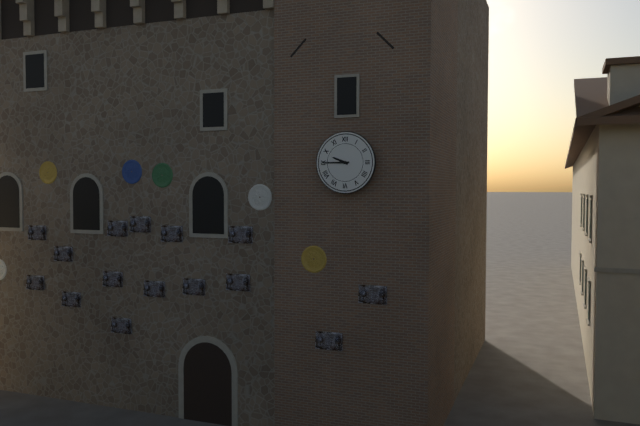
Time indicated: **9:45**
